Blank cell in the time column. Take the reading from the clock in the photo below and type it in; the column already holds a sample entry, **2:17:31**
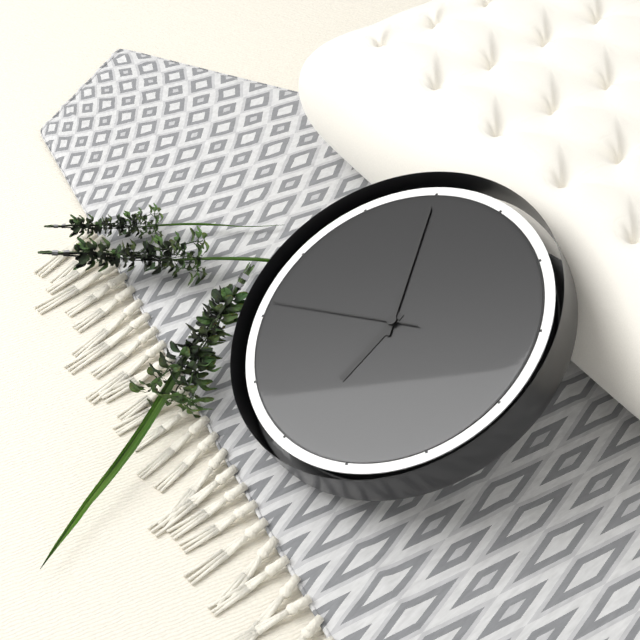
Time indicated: **5:55:41**
